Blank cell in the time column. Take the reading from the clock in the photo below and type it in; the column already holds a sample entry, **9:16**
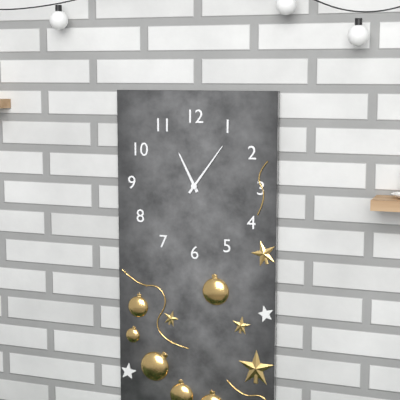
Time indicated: **11:06**
